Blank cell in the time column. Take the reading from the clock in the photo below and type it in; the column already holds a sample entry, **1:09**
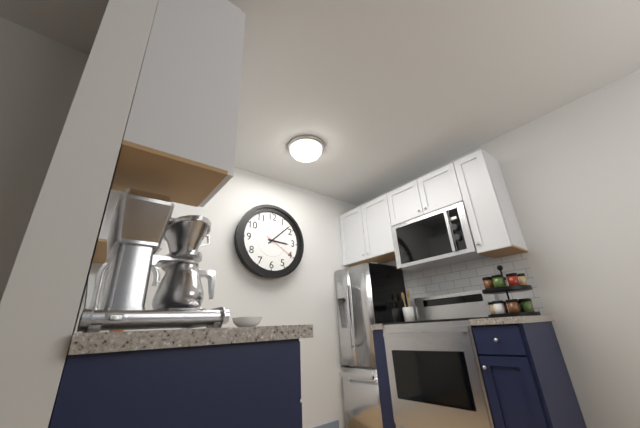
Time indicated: **3:08**
